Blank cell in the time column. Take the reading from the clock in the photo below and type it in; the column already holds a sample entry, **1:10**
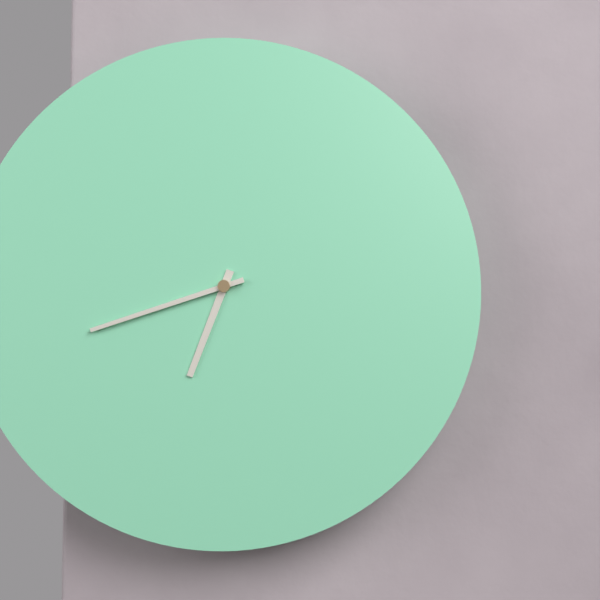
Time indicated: **6:42**
